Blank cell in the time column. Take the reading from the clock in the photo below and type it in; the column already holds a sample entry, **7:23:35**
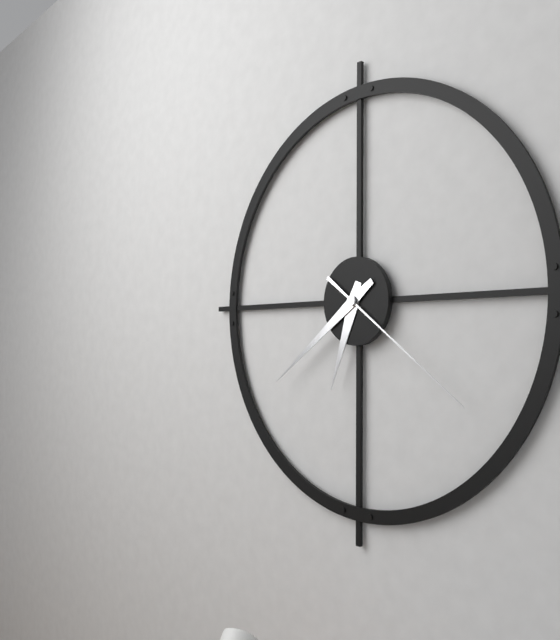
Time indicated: **6:39:21**
